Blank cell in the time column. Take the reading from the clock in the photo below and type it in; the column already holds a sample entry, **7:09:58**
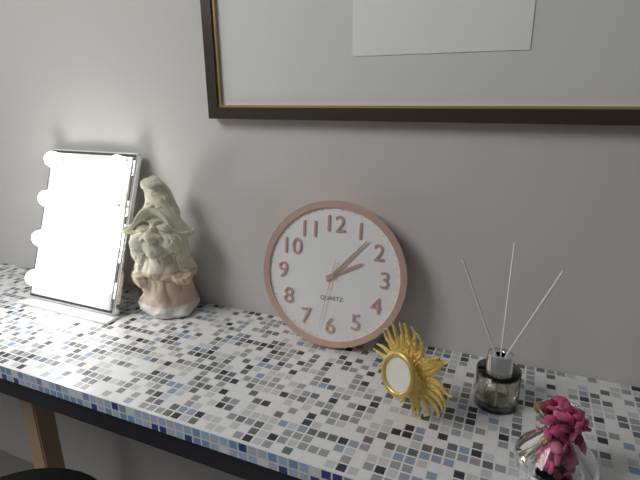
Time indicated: **2:07:32**
